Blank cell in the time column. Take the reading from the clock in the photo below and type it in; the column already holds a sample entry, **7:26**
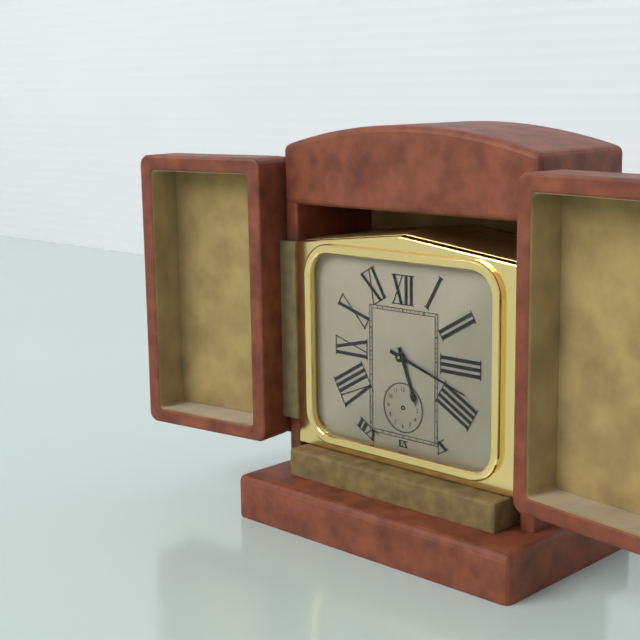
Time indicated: **5:18**
